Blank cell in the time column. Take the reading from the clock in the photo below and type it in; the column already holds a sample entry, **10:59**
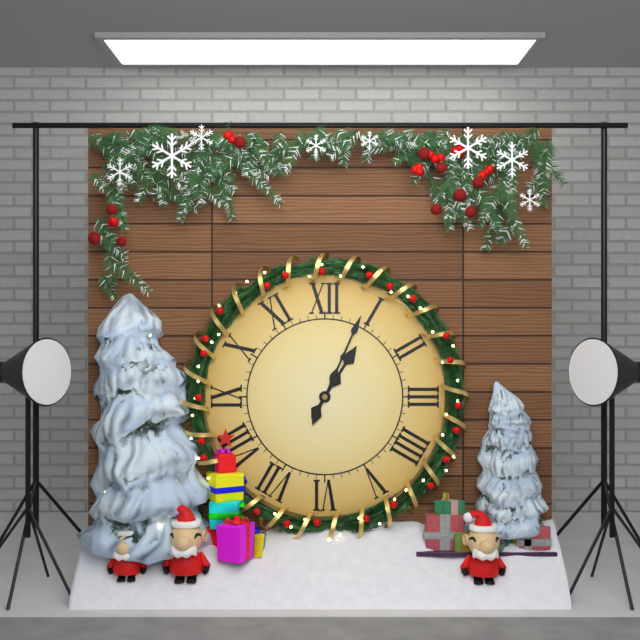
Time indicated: **1:04**
